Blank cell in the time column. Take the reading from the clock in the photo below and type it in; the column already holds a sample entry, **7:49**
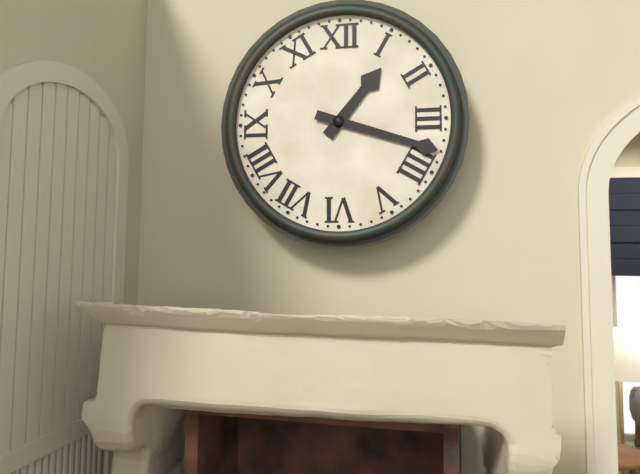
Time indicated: **1:18**
